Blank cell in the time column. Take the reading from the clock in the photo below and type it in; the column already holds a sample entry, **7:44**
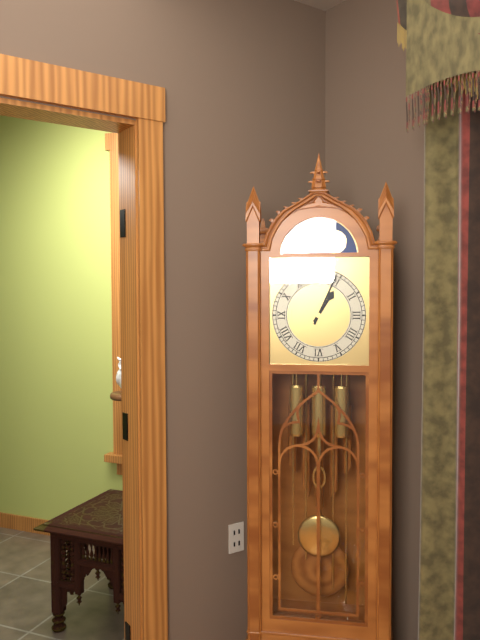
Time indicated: **1:04**
